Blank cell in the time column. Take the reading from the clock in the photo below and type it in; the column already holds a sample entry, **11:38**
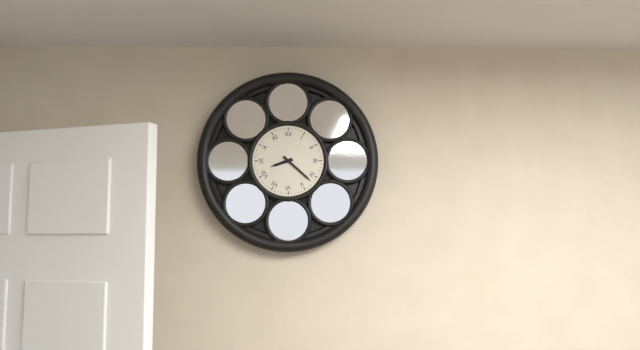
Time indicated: **8:22**
